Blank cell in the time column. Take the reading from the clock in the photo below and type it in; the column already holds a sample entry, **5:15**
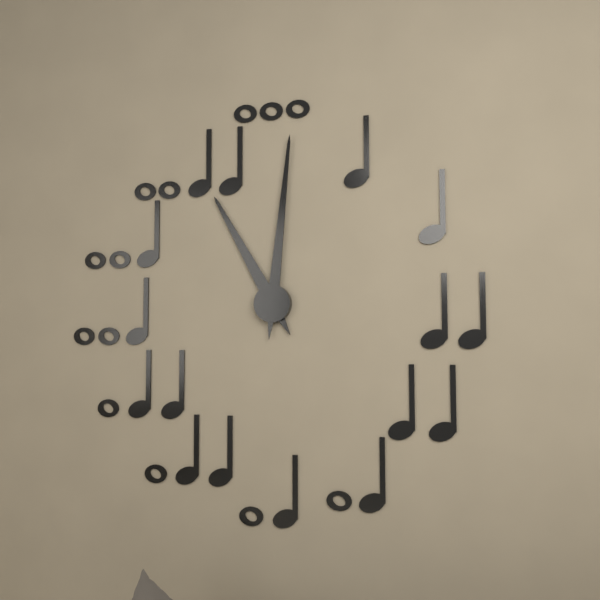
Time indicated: **11:01**
